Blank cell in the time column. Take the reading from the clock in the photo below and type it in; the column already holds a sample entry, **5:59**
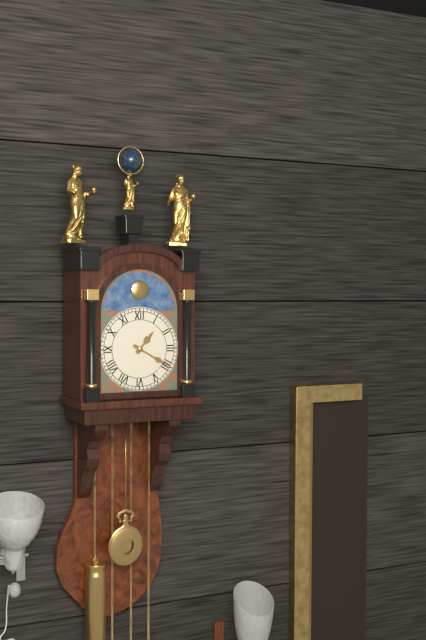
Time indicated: **1:20**
